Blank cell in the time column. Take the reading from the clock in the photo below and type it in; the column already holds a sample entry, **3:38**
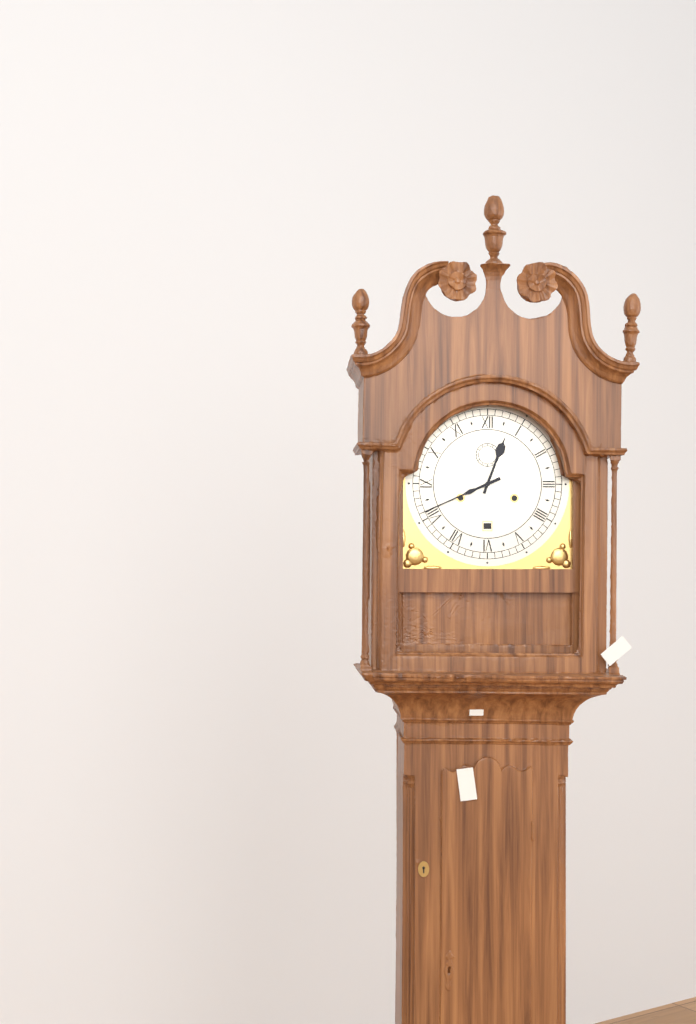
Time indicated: **12:41**
